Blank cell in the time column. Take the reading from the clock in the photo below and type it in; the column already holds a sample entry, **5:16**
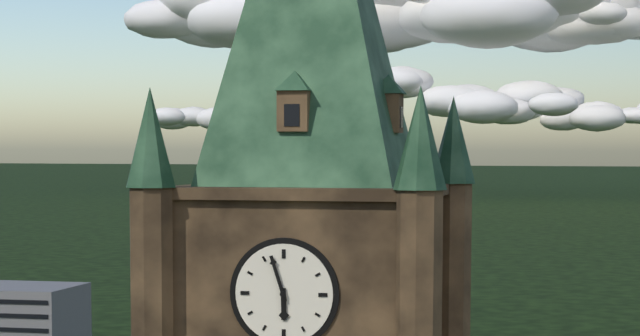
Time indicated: **5:57**
